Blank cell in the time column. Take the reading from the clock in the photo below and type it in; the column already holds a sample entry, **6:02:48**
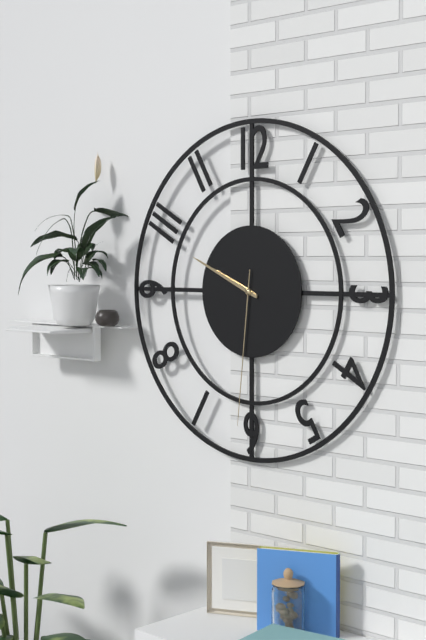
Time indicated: **9:49:31**
